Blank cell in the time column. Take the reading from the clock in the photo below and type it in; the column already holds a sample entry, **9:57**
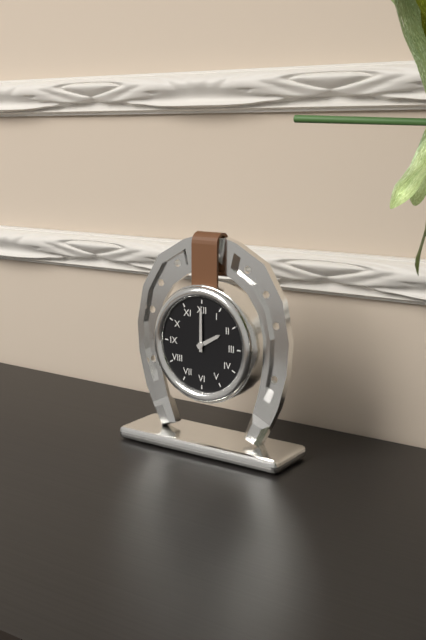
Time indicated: **2:00**
